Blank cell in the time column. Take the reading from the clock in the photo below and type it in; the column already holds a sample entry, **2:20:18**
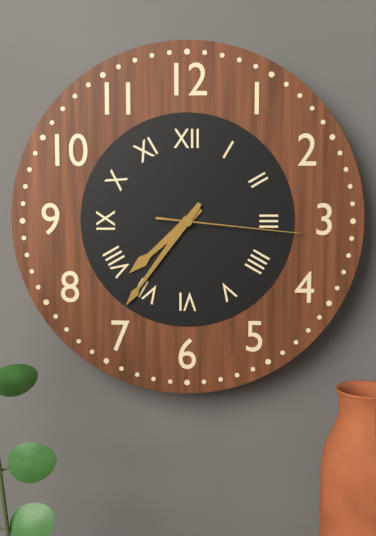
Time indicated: **7:36:16**
